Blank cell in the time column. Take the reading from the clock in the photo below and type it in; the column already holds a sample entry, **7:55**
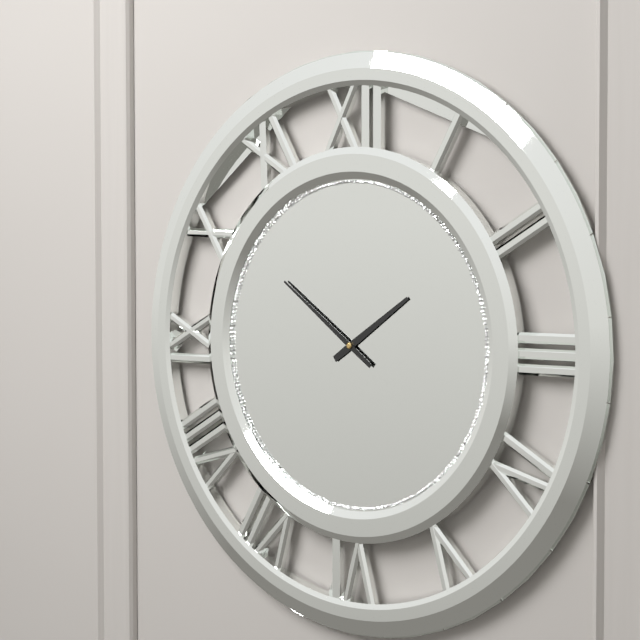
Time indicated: **1:51**
